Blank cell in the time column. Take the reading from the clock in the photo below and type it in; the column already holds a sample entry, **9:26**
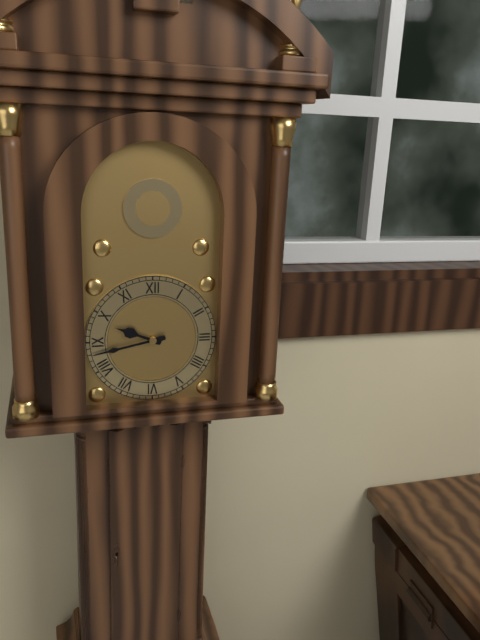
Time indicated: **9:43**
